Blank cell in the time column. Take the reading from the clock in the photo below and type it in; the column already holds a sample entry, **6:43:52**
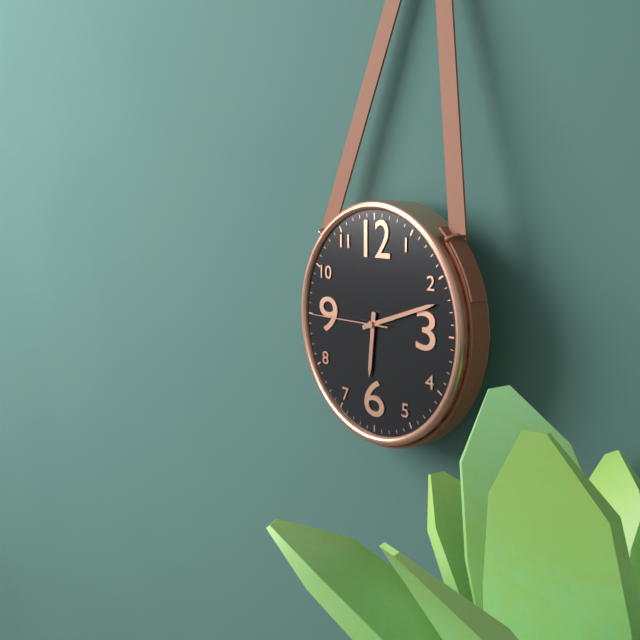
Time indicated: **6:12:45**
